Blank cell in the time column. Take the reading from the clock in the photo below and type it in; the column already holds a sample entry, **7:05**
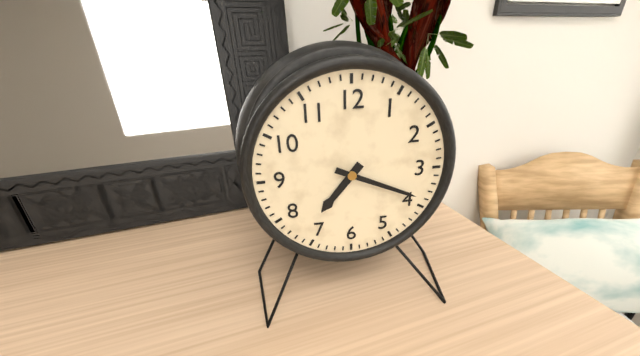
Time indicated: **7:19**
